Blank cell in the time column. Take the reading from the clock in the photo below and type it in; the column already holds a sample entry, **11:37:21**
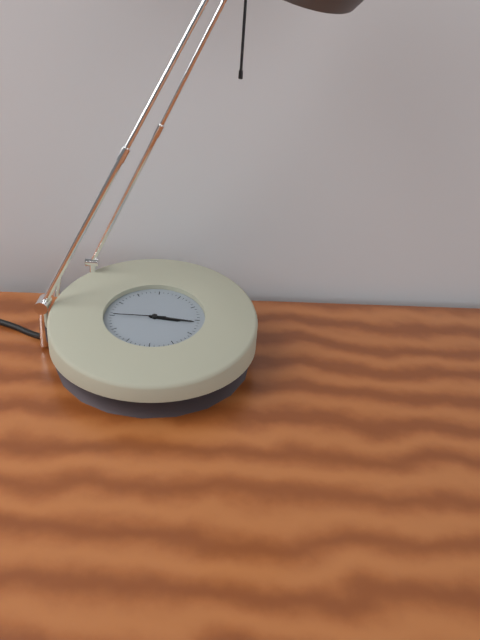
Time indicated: **3:16:45**
